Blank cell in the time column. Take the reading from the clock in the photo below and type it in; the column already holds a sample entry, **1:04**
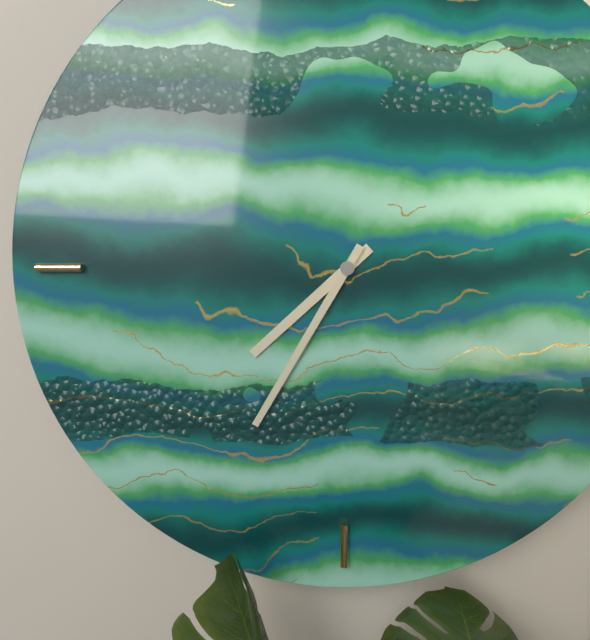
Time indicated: **7:35**
